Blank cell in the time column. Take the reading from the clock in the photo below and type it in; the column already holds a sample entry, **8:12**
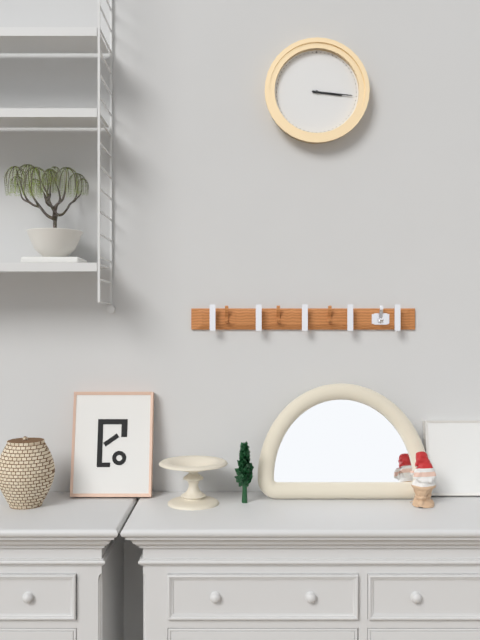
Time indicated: **3:16**
